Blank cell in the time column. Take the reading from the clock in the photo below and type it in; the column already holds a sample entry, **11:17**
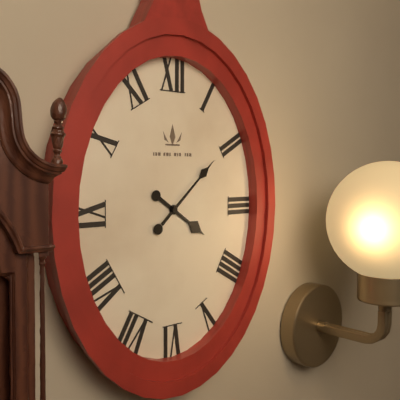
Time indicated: **4:08**
